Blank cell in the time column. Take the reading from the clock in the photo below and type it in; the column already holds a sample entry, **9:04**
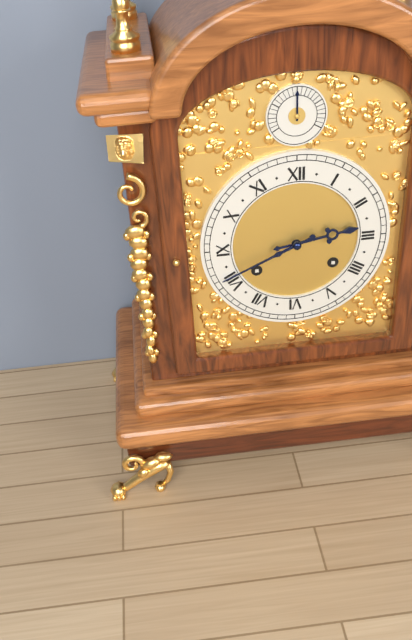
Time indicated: **2:41**
